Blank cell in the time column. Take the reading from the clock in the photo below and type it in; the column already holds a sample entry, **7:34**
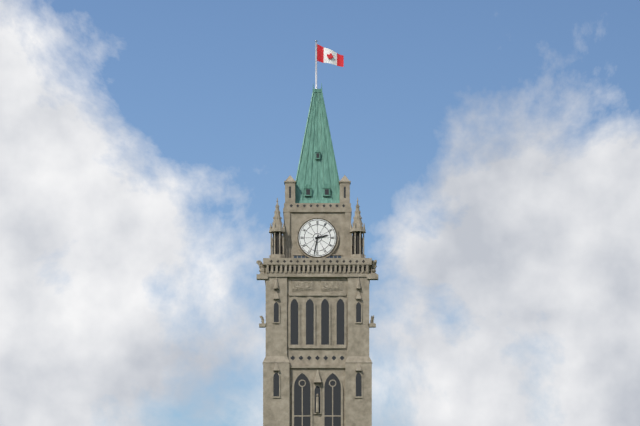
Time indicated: **2:32**
